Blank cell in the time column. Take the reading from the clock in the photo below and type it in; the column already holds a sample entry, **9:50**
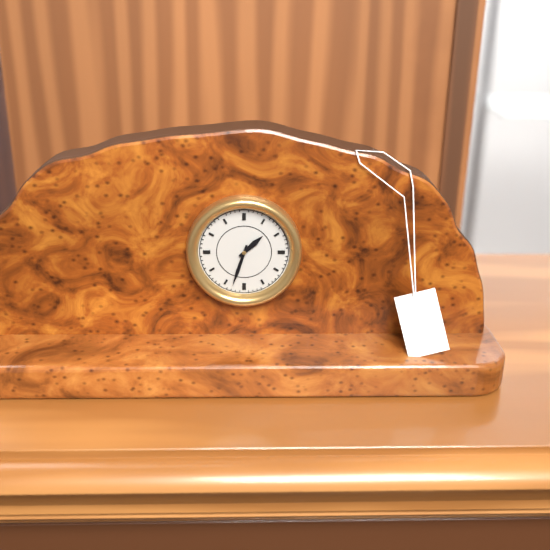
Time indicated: **1:33**
